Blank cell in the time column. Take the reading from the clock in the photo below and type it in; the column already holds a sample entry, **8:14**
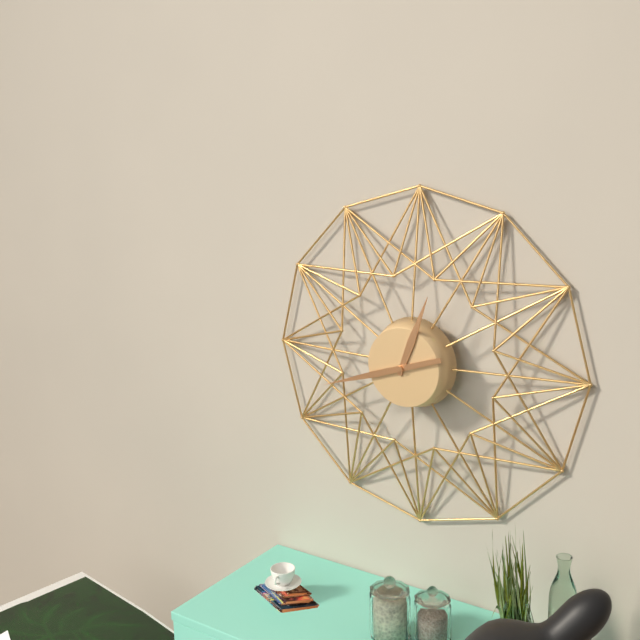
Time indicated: **12:42**
